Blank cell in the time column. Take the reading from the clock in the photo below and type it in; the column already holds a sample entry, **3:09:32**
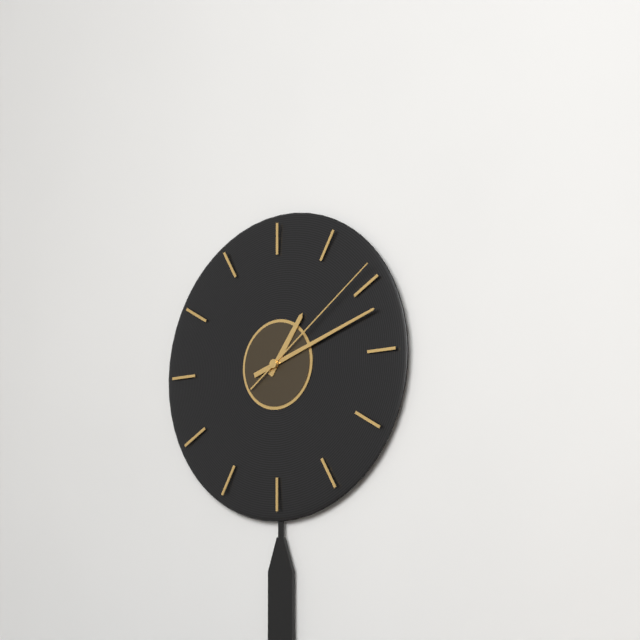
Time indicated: **1:12:09**
